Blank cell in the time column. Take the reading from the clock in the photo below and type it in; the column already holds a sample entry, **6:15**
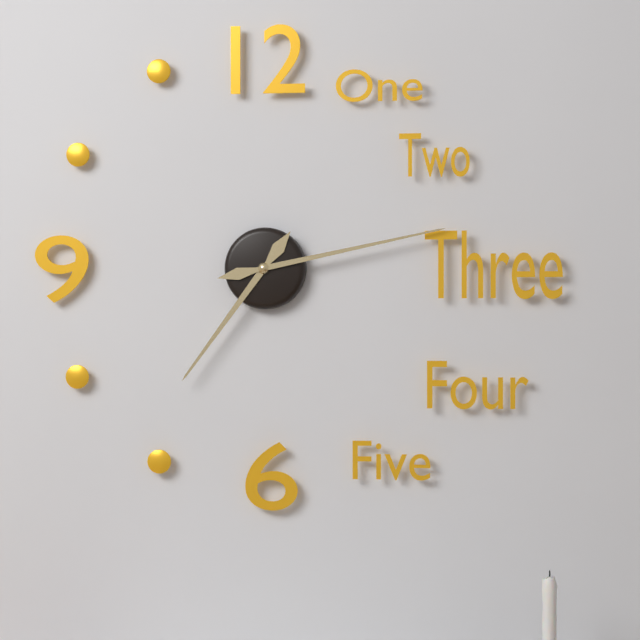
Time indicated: **7:13**
